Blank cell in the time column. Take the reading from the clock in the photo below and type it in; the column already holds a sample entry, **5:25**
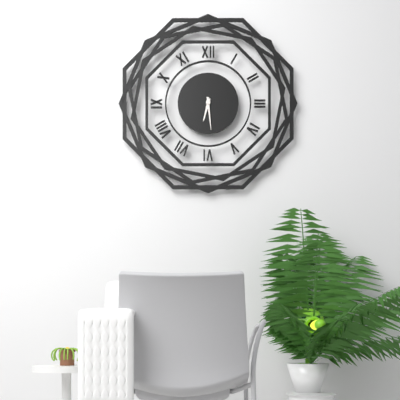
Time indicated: **6:29**
